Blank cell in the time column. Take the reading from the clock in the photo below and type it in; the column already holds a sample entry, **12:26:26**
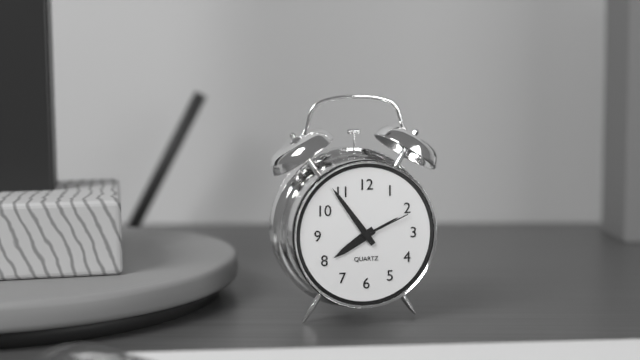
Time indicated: **7:54:11**
